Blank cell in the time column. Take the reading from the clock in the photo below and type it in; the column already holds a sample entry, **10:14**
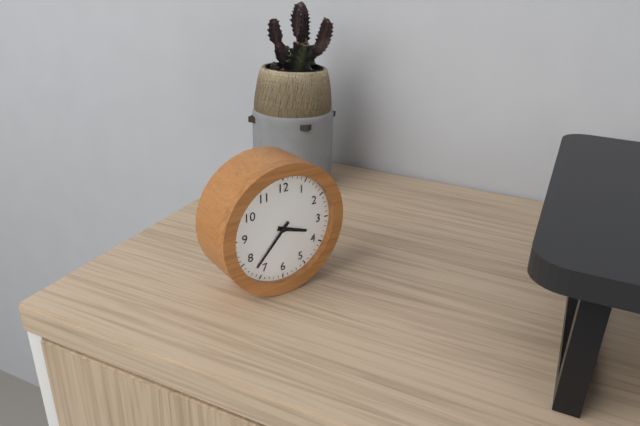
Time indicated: **3:37**
